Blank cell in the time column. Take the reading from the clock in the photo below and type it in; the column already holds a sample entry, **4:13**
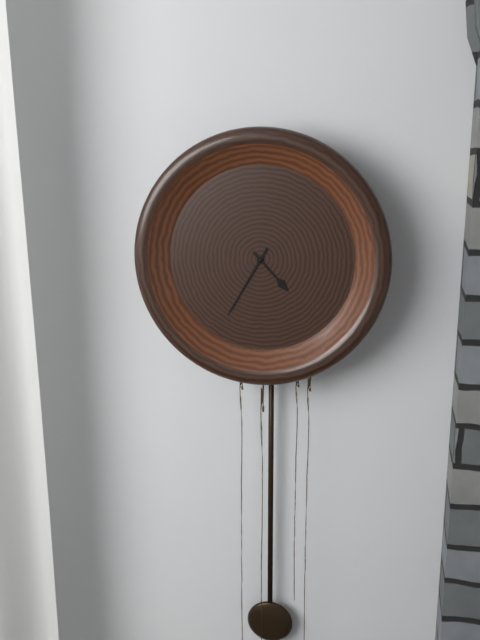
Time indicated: **4:35**
